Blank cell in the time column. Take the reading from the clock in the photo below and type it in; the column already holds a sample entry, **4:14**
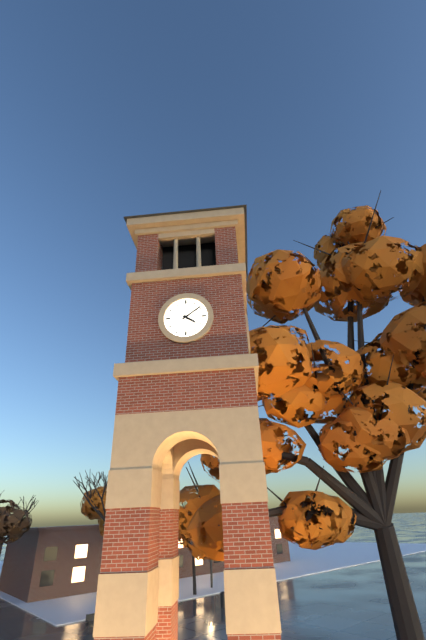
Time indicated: **4:09**
